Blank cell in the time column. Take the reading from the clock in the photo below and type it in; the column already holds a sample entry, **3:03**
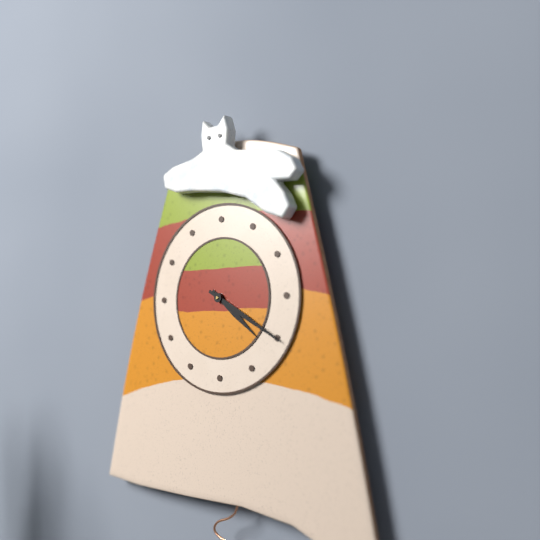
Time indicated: **4:20**
